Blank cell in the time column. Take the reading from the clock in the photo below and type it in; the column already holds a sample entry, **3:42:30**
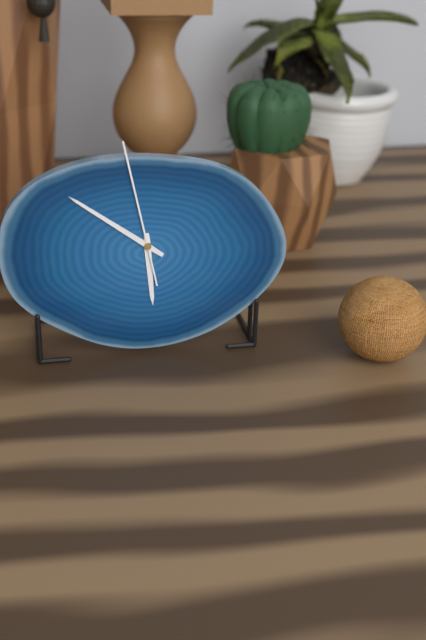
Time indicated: **5:51:58**
